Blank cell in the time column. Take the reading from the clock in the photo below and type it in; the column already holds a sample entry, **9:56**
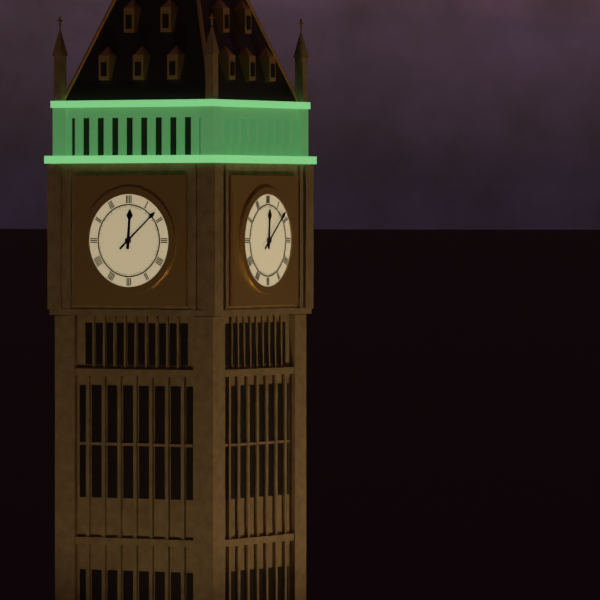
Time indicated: **12:08**
